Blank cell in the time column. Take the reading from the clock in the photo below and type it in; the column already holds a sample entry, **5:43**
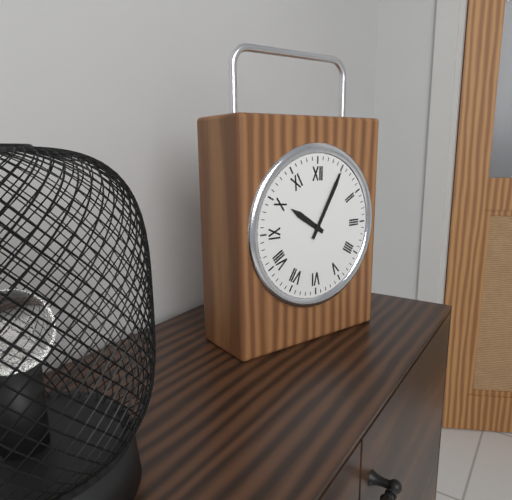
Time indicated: **10:05**
